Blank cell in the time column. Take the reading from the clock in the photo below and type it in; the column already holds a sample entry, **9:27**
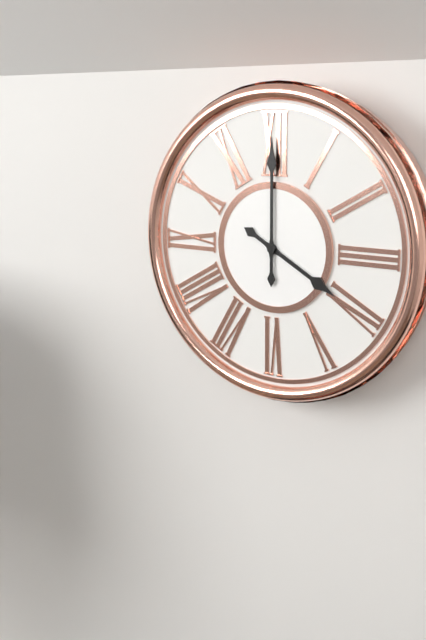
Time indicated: **4:00**
